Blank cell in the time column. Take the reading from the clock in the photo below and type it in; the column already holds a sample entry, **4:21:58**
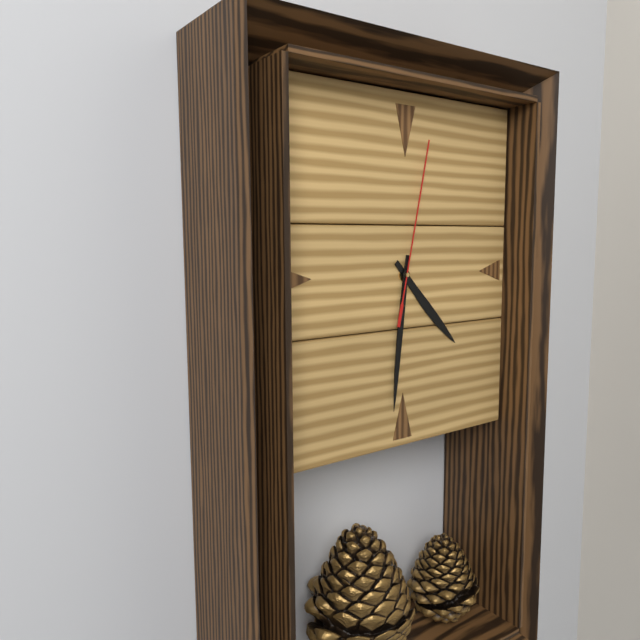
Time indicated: **4:31:02**
